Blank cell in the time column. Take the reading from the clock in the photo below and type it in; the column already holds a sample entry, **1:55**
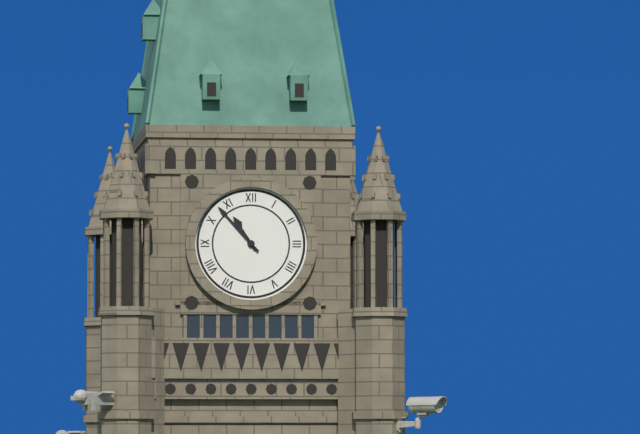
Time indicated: **10:53**
